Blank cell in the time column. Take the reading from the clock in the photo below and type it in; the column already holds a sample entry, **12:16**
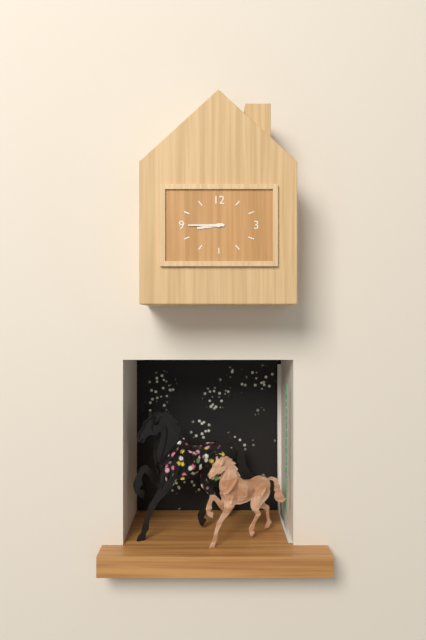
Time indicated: **8:45**
